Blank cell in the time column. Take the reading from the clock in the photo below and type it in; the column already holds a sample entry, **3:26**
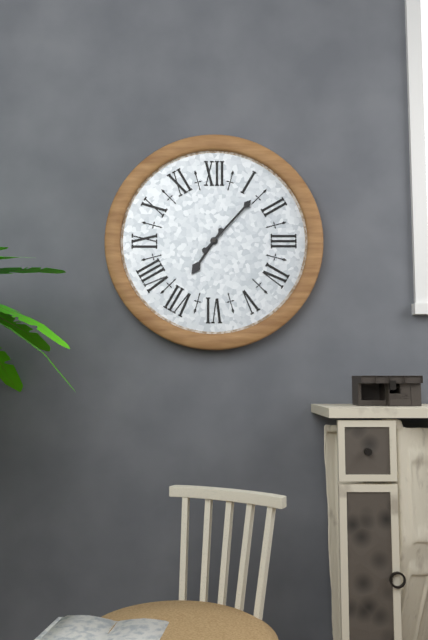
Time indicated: **7:07**
